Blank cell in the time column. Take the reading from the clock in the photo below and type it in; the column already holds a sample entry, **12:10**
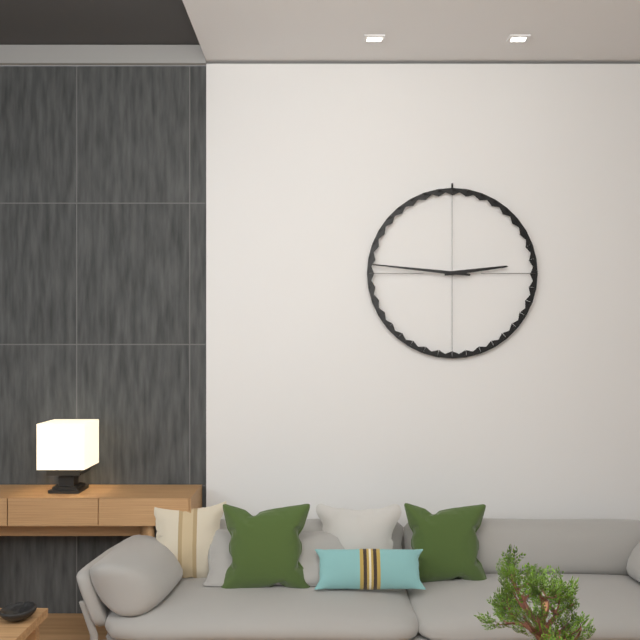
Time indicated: **2:46**
